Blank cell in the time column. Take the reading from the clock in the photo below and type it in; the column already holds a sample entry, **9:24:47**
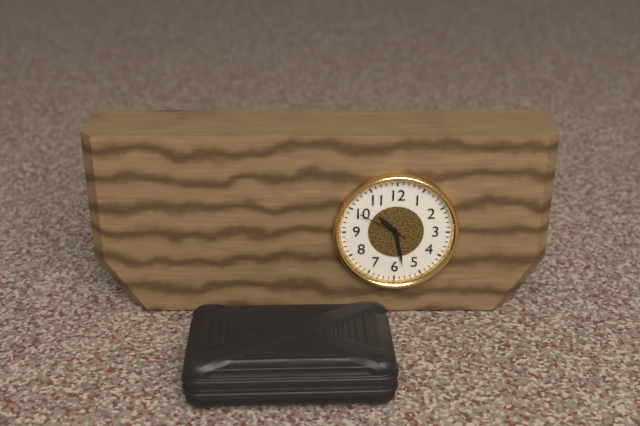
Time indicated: **10:28:50**
